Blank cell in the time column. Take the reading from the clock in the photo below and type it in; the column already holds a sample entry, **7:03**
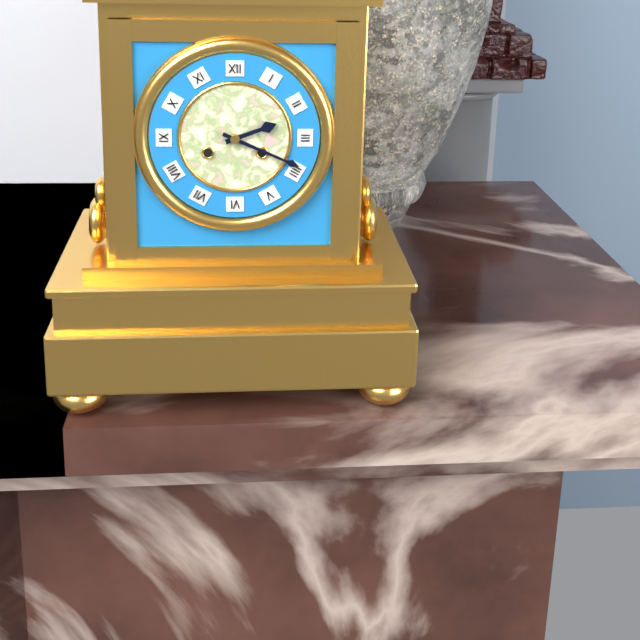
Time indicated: **2:19**
